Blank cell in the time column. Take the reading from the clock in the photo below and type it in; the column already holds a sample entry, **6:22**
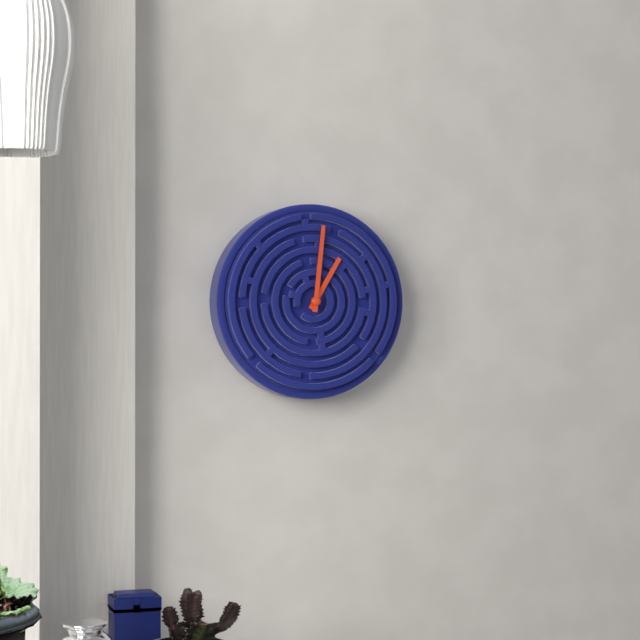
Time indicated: **1:01**
